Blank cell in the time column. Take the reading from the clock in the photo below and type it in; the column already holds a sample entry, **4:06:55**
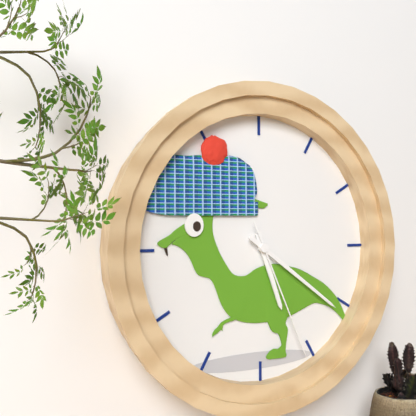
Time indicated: **5:21:26**
